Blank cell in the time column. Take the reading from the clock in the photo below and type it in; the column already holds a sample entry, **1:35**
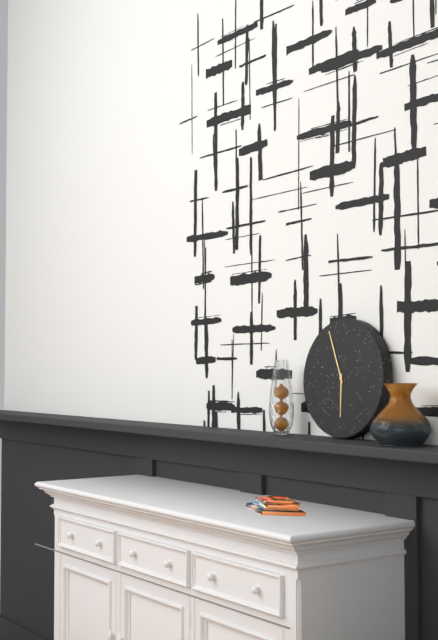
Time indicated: **5:56**
